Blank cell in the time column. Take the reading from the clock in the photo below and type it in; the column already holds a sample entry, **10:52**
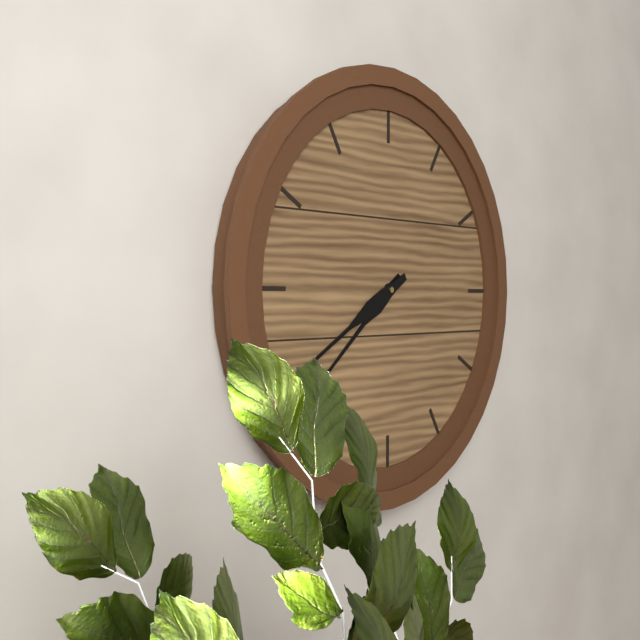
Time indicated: **7:40**
